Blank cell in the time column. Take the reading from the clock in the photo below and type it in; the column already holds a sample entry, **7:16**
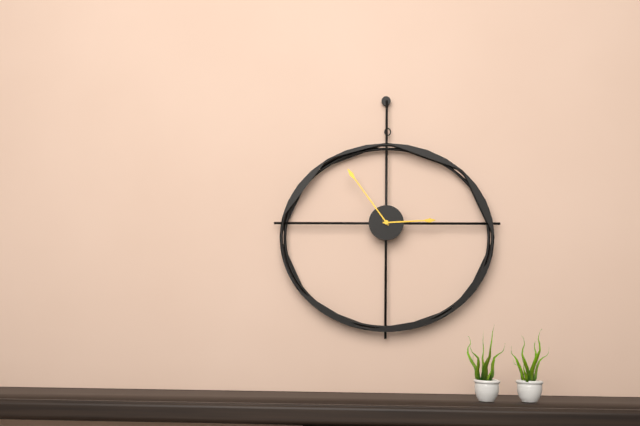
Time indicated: **2:54**
